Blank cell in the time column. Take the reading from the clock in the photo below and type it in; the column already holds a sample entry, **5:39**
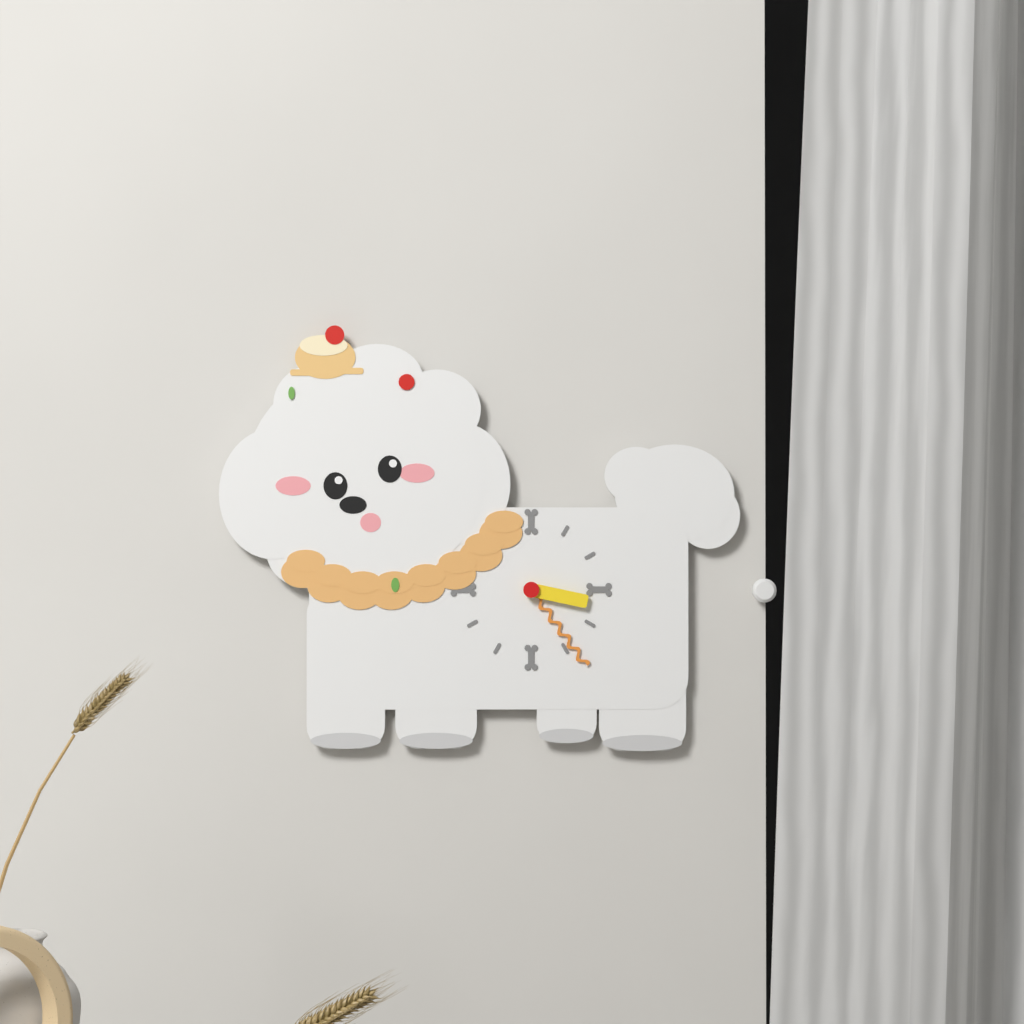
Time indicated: **3:24**
